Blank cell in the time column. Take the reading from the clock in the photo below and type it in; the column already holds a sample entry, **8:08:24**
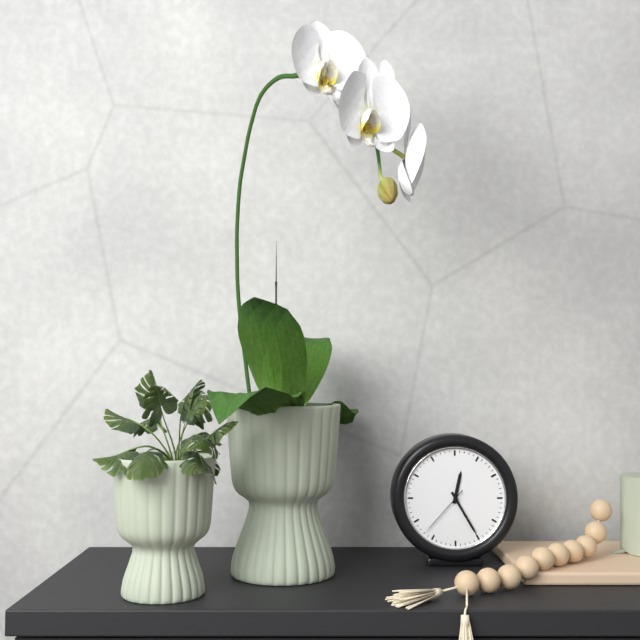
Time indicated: **12:25:37**
